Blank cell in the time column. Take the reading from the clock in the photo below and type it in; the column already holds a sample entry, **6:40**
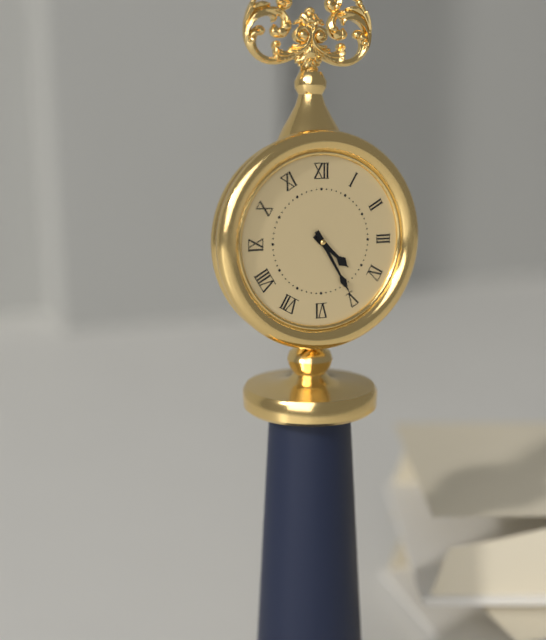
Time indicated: **4:25**
